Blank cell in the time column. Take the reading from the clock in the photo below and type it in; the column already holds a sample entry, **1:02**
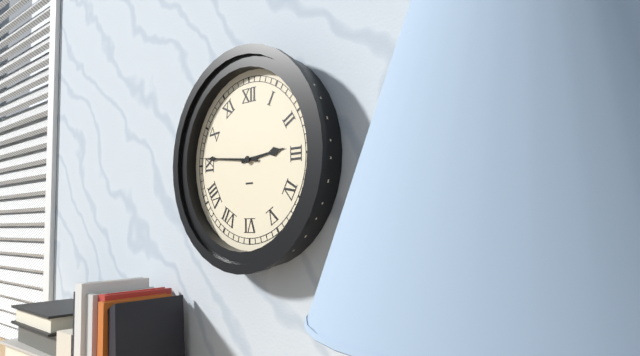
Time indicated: **2:46**
